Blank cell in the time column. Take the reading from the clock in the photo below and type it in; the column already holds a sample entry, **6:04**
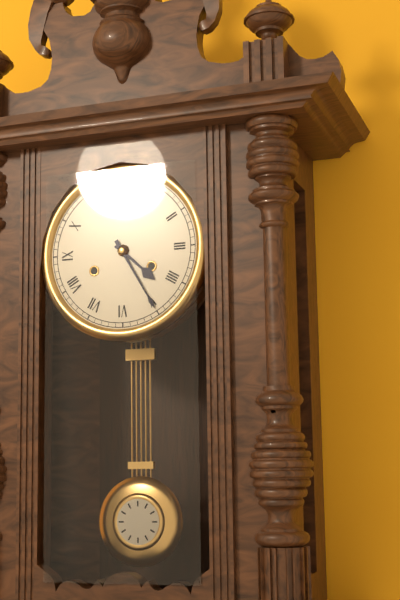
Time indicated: **4:25**
